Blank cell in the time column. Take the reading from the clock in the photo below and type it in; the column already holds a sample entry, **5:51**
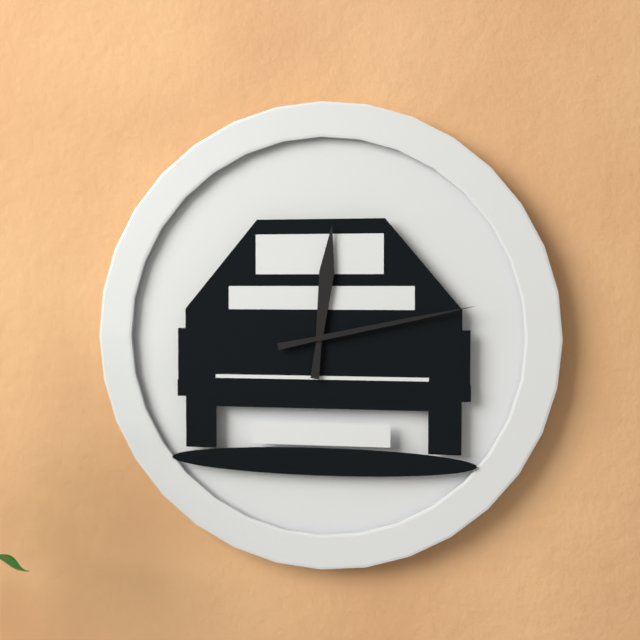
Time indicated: **12:13**
